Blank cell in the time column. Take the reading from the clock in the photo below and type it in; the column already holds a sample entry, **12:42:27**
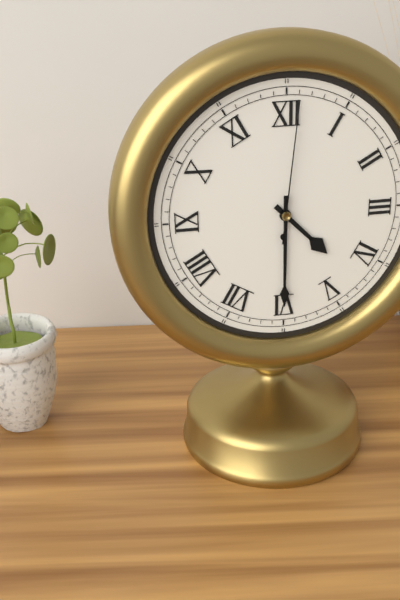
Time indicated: **4:30:01**
